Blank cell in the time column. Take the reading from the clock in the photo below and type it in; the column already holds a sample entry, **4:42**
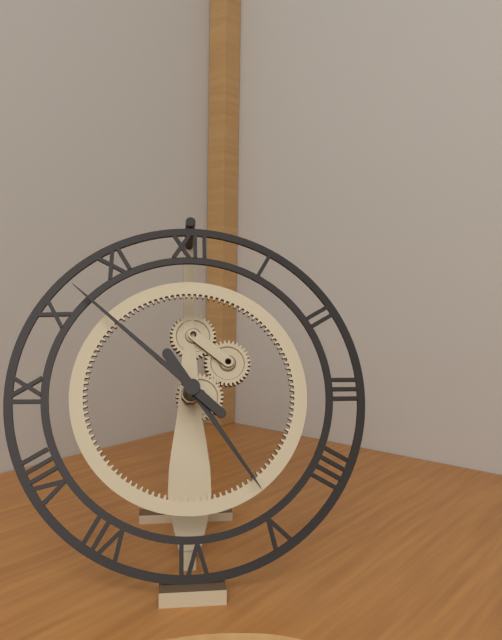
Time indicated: **4:52**
